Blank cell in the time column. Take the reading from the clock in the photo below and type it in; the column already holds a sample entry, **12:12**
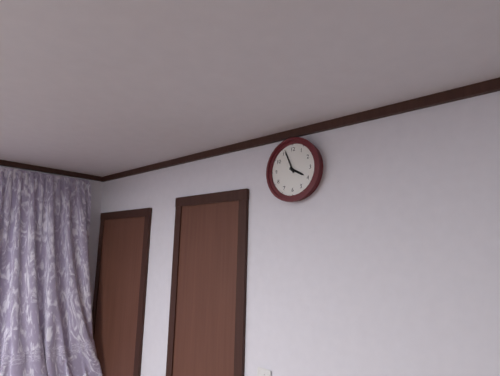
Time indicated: **3:56**
